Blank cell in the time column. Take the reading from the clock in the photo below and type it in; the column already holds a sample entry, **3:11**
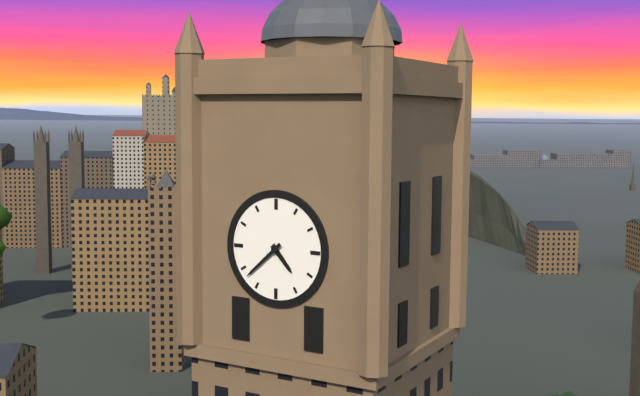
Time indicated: **4:38**
